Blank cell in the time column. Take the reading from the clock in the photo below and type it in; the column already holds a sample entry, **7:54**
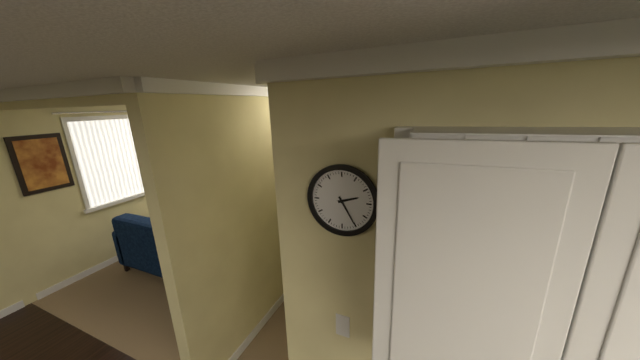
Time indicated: **2:25**
